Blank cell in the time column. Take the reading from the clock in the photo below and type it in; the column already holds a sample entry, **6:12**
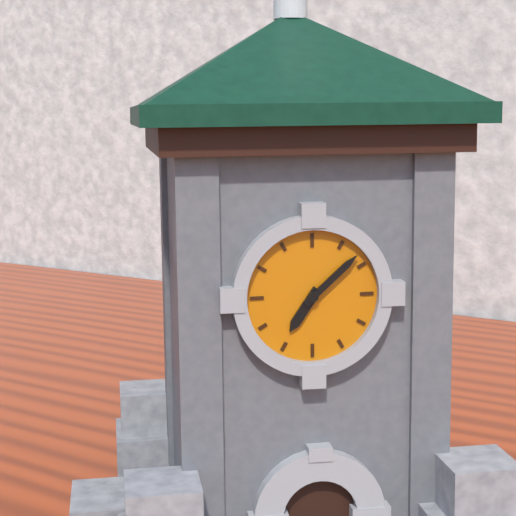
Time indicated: **7:08**
